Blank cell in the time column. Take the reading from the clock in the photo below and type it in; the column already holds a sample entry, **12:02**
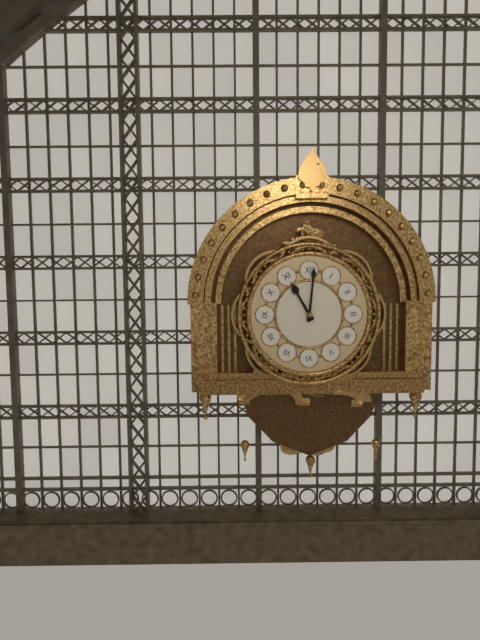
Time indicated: **11:01**
